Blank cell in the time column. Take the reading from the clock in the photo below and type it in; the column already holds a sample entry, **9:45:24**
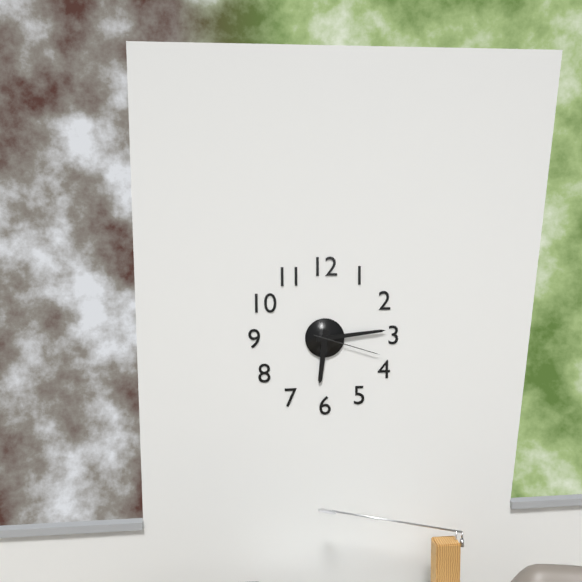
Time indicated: **6:14:18**
